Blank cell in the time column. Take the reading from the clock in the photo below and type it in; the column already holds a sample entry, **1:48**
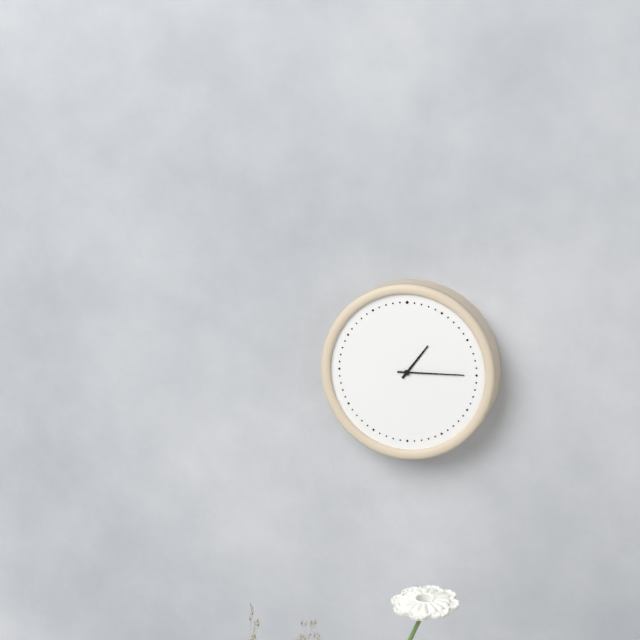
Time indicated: **1:15**
